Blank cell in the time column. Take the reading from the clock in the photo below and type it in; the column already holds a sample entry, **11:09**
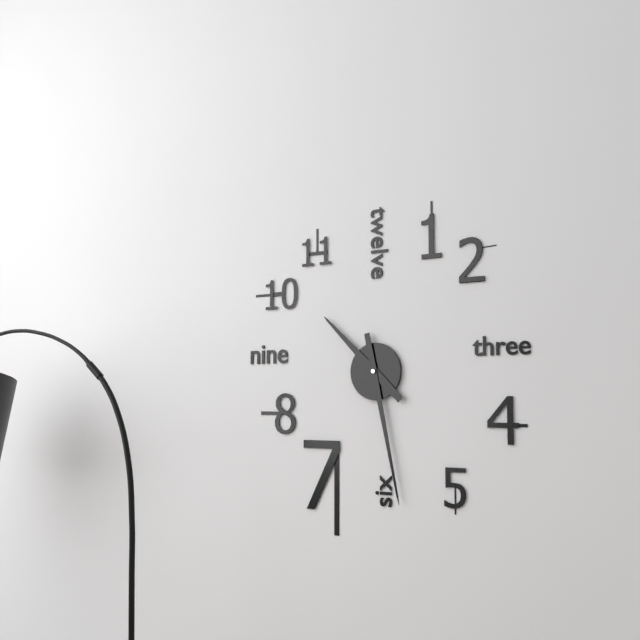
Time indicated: **10:28**
